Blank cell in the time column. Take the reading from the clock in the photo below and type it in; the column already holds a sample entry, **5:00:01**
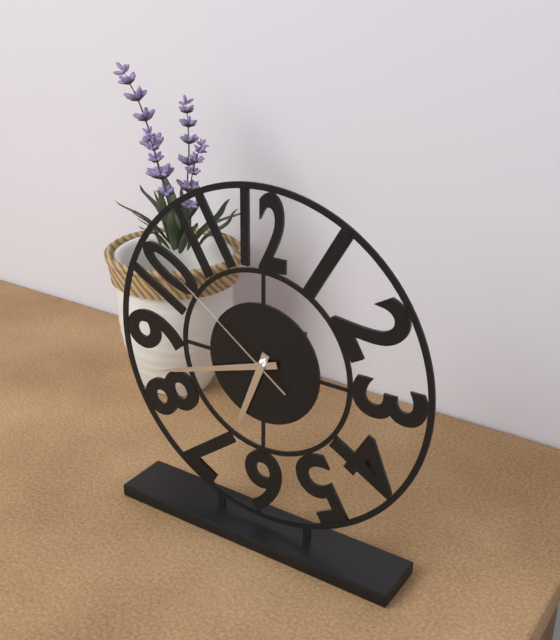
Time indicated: **6:42:51**
